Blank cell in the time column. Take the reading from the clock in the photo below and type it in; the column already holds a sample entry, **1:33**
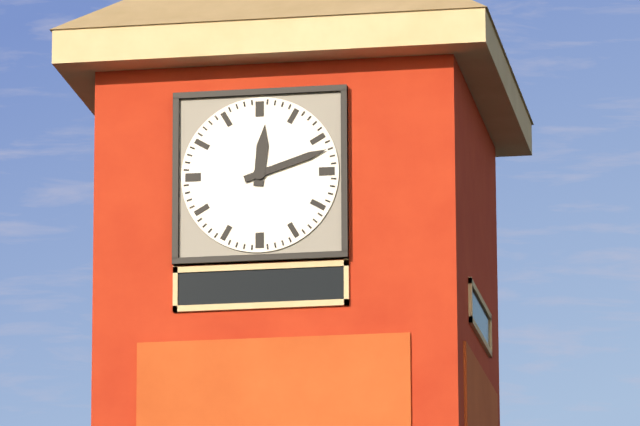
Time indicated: **12:12**
